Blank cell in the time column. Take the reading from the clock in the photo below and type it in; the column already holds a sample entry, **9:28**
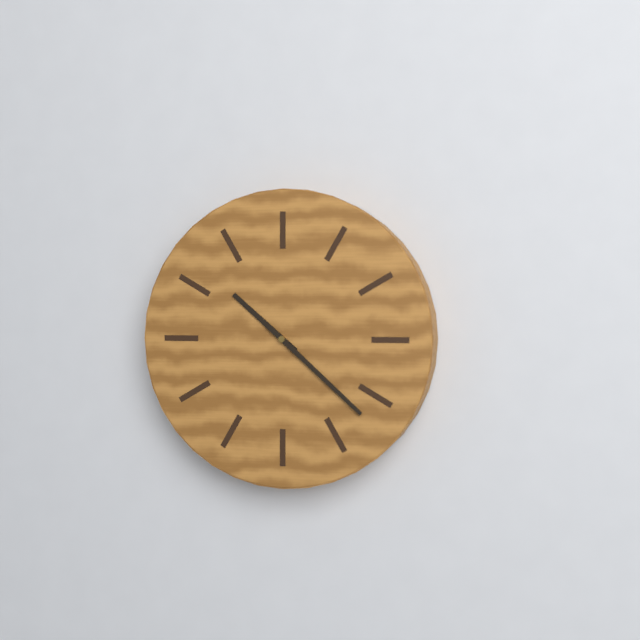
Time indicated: **10:22**
